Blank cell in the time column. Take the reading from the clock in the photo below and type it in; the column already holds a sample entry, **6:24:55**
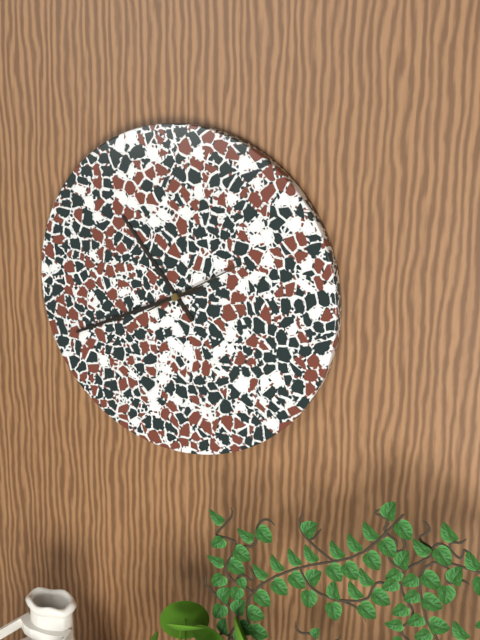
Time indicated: **10:41:10**
